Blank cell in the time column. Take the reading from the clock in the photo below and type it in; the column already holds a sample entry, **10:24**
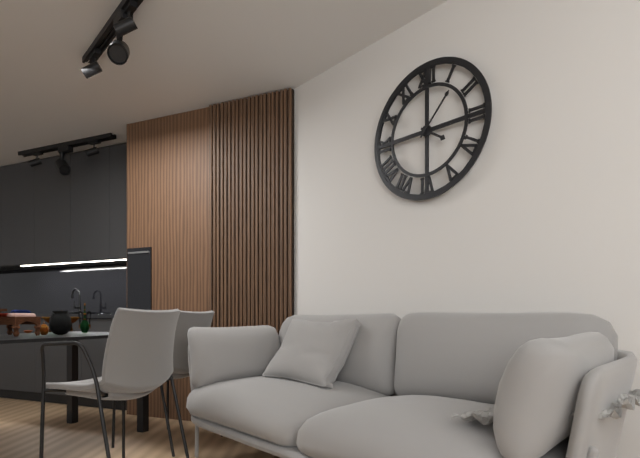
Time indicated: **4:07**
